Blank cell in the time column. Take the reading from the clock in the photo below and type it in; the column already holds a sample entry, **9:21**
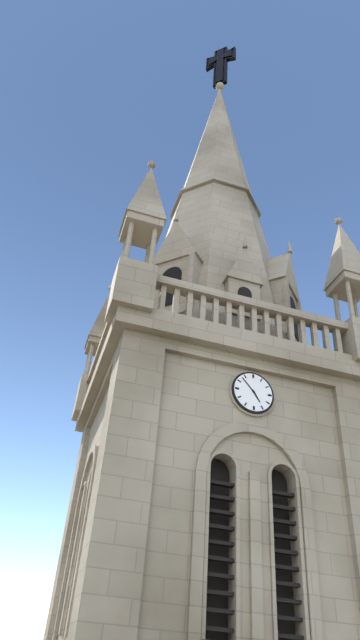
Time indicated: **4:53**
